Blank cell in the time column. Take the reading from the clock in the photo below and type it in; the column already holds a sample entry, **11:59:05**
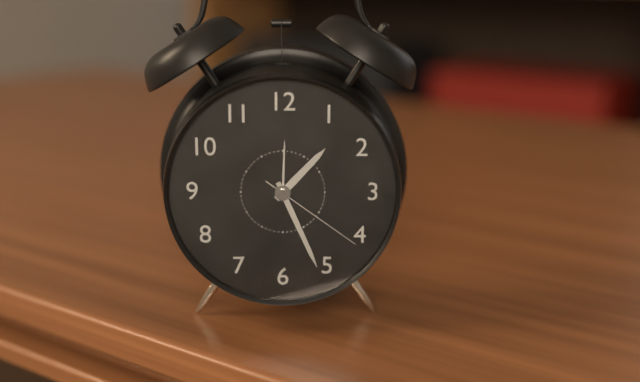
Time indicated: **1:26:21**
